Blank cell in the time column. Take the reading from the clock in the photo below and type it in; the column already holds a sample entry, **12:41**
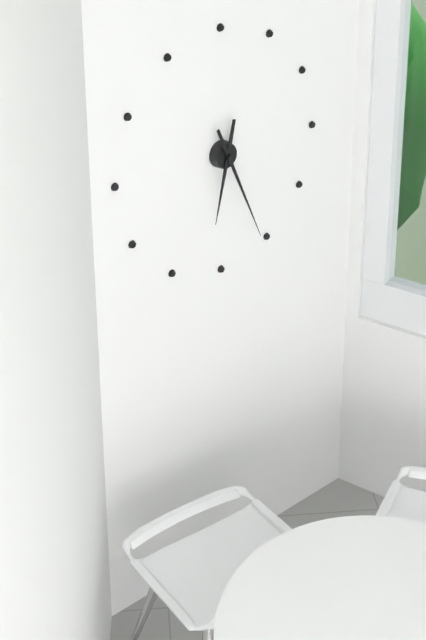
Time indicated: **6:26**
